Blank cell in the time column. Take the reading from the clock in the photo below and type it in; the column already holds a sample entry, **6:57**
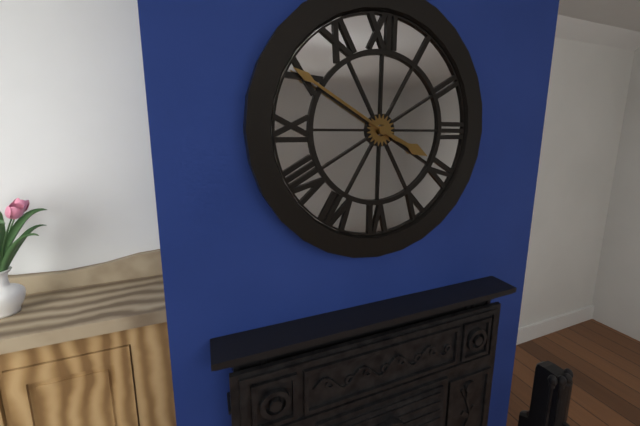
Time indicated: **3:50**
